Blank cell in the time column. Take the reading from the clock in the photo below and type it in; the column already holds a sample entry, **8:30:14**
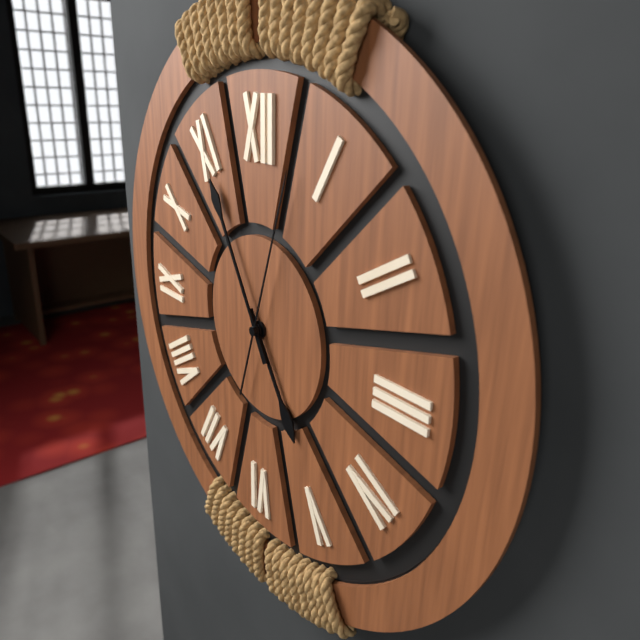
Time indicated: **4:55:03**
